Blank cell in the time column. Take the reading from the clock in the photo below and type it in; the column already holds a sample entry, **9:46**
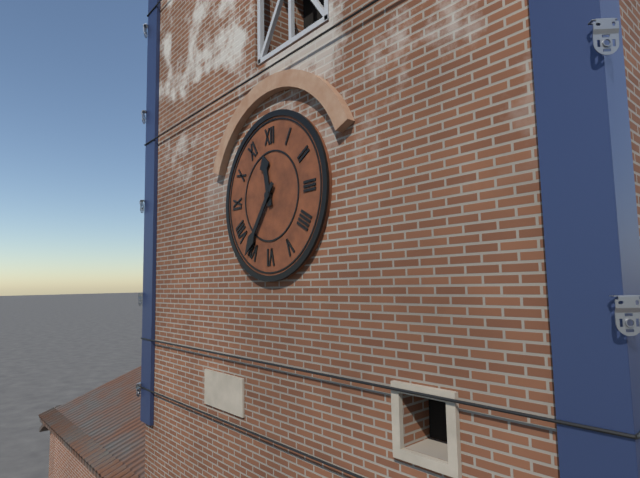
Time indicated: **11:36**
